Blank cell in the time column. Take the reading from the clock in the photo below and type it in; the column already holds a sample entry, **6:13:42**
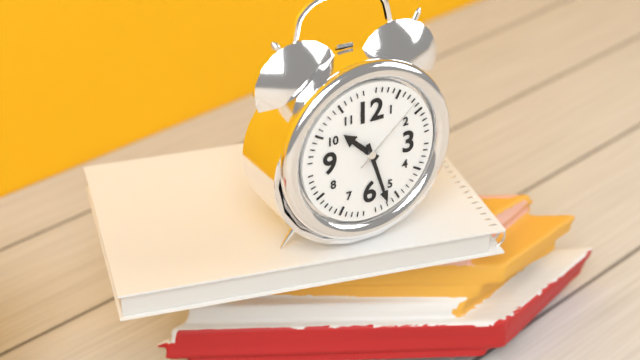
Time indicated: **10:27:08**
